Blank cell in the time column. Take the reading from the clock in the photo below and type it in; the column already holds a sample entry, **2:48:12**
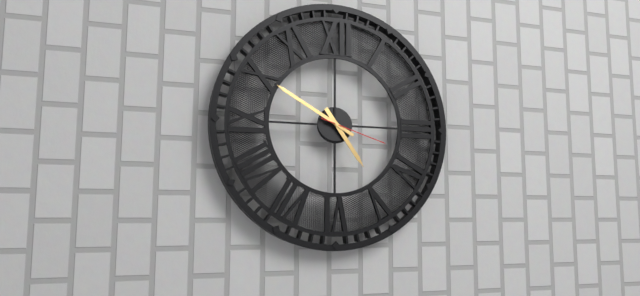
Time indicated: **4:50:18**
